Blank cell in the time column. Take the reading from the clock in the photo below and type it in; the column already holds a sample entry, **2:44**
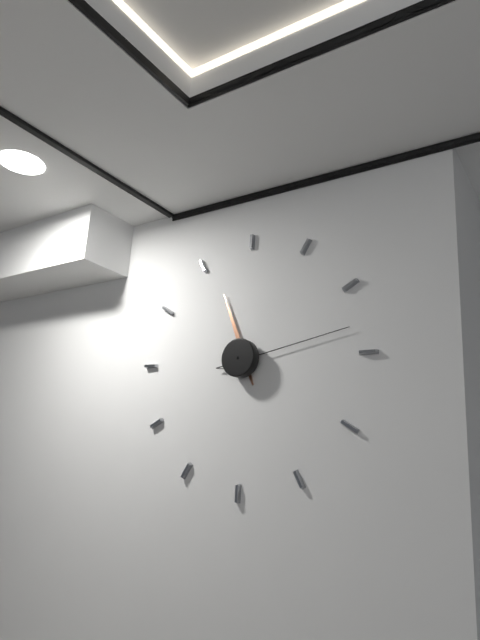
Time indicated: **11:13**
